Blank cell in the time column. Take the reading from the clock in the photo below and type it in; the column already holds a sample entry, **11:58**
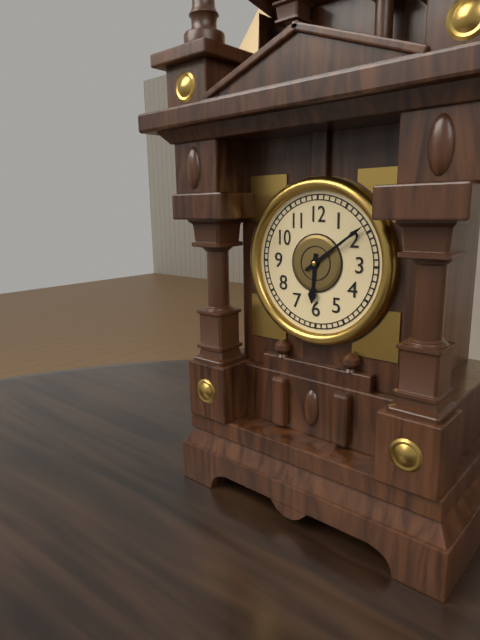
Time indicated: **6:09**
